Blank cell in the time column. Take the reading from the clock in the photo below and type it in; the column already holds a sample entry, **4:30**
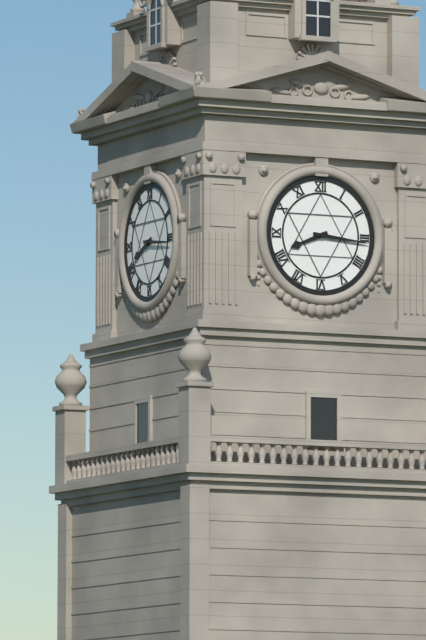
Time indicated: **8:16**
